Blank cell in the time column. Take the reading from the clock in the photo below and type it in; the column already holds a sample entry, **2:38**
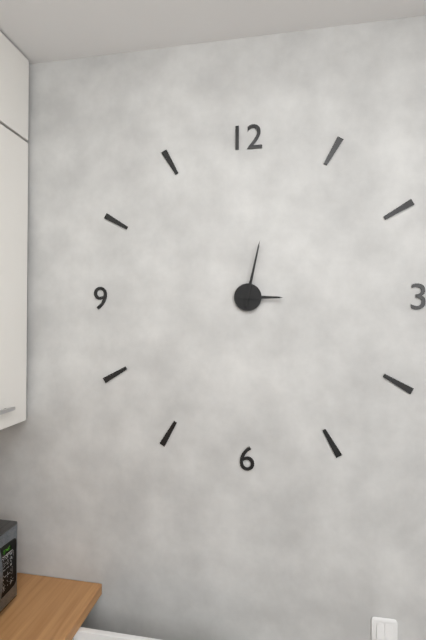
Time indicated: **3:02**
